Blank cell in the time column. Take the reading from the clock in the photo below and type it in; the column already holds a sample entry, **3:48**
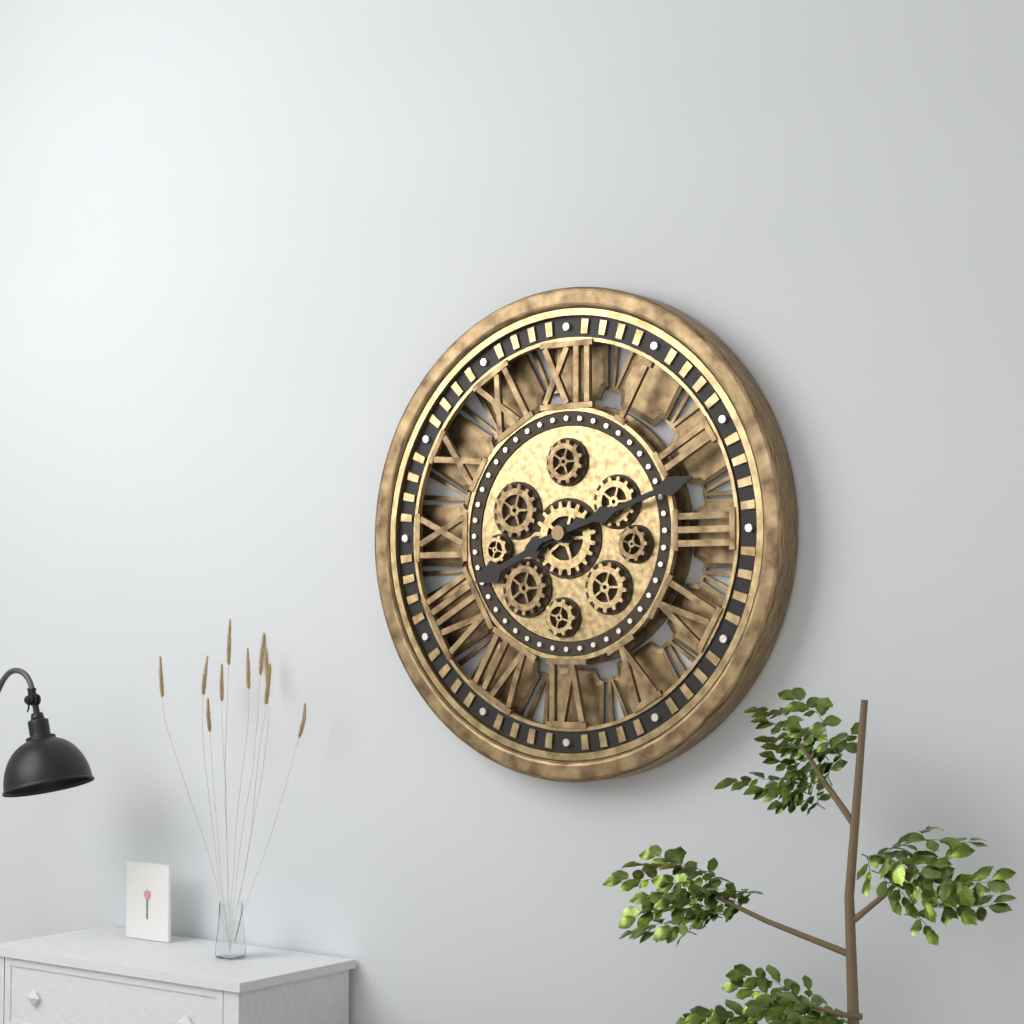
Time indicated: **8:12**
